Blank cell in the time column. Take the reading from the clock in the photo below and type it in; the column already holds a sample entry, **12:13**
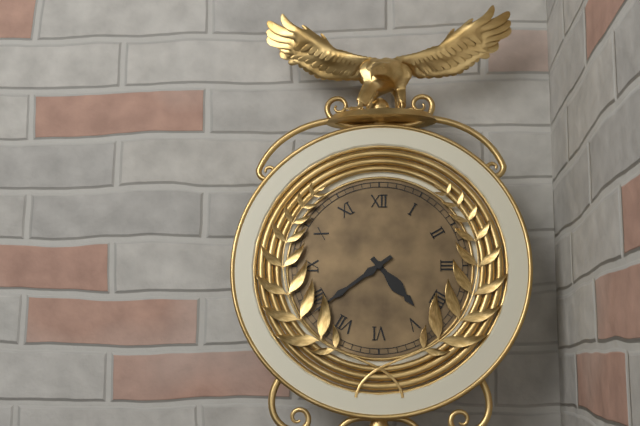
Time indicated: **4:39**
